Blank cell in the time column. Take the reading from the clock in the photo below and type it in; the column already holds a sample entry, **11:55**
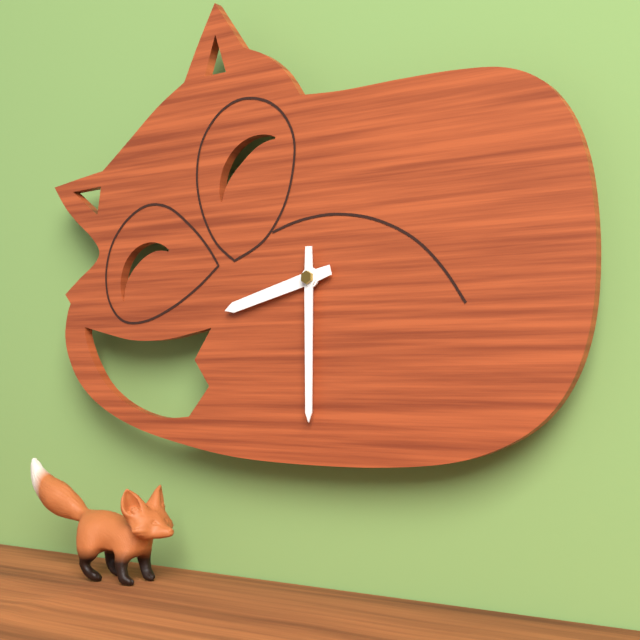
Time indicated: **8:30**
